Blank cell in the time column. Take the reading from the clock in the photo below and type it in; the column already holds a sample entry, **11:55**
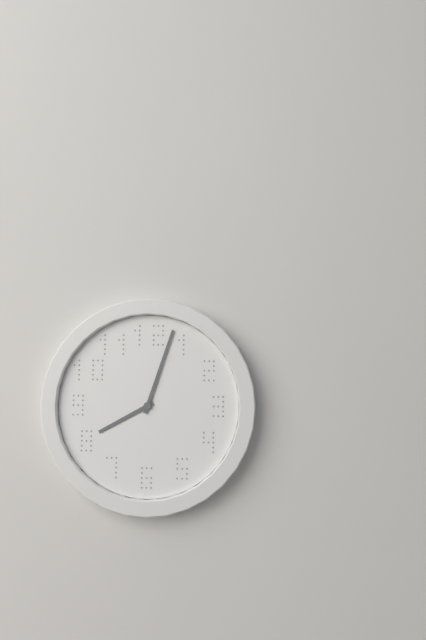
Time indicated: **8:03**
